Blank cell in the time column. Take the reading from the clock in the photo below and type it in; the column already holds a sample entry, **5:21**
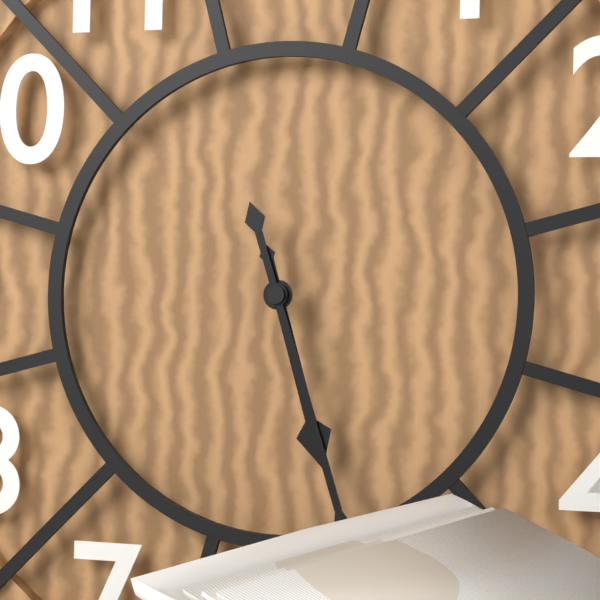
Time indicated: **5:27**
